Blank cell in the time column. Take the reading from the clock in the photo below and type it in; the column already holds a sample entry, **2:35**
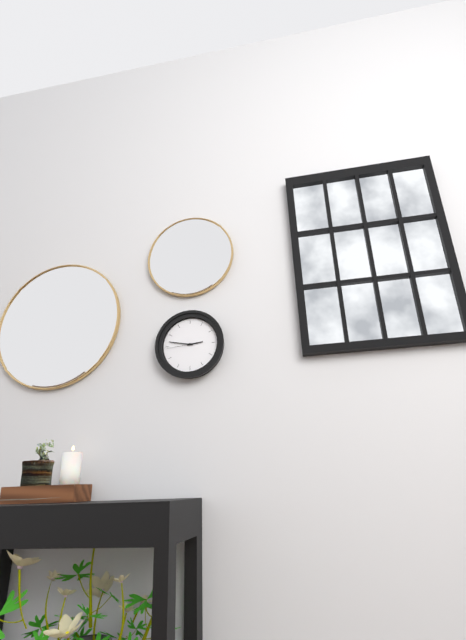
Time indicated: **2:47**
